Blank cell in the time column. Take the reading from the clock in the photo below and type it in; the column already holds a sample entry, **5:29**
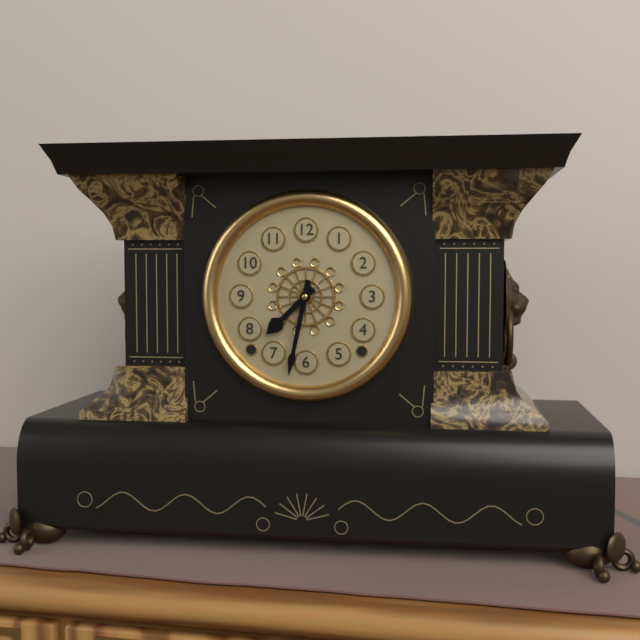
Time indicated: **7:32**
